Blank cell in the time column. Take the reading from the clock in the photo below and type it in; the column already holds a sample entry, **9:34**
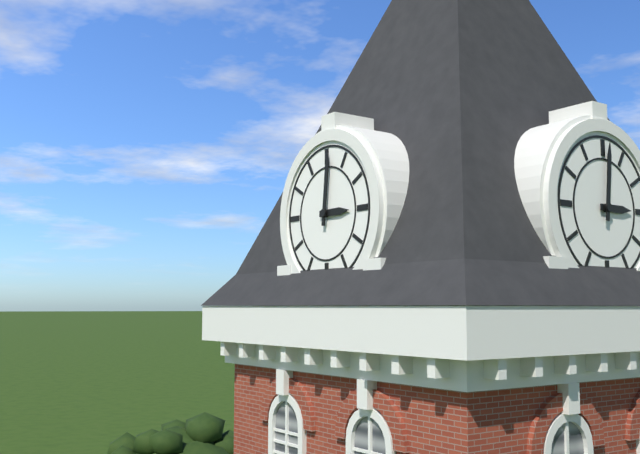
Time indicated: **3:01**
